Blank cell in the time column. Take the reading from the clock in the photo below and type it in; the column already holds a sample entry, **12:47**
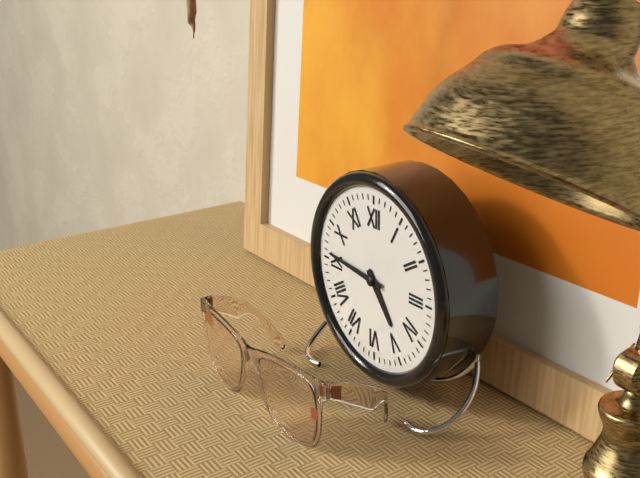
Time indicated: **4:46**
